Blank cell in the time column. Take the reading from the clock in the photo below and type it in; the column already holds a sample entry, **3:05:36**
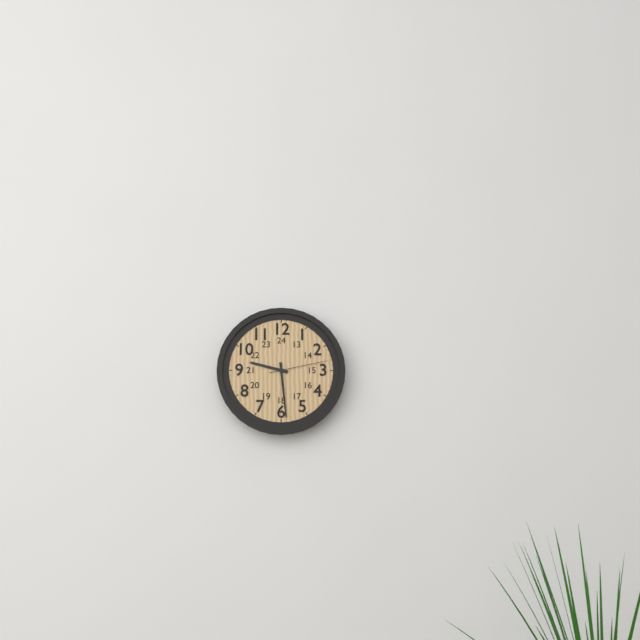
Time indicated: **9:29:13**
